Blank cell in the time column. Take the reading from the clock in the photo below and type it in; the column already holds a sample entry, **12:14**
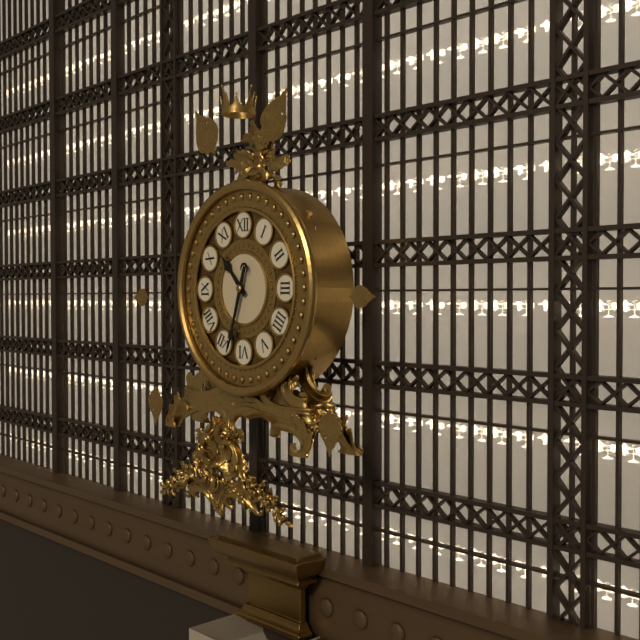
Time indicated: **10:33**
